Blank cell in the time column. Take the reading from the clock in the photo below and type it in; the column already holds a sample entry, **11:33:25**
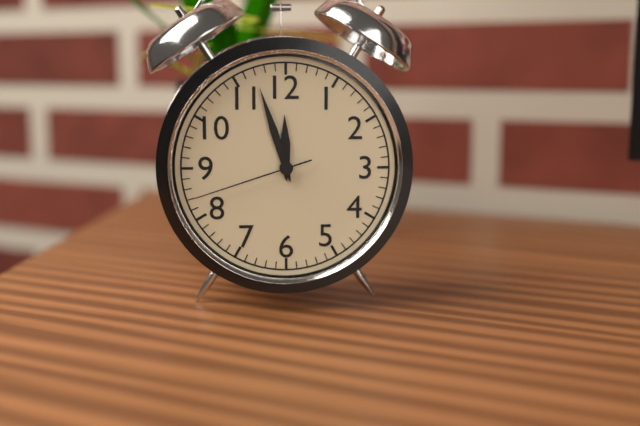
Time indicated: **11:57:42**
